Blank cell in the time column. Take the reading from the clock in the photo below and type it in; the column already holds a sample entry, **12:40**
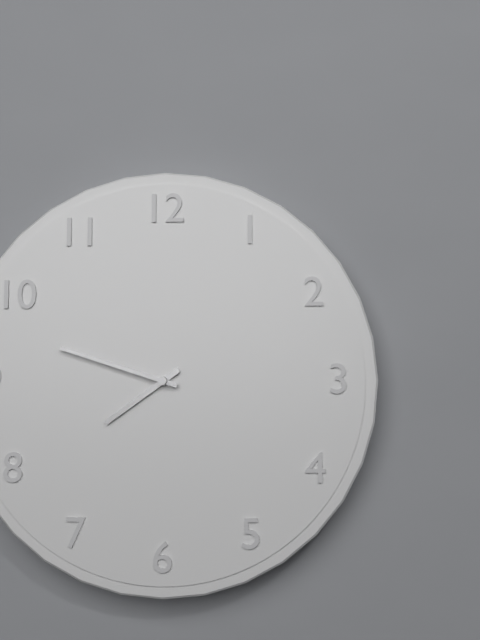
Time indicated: **7:48**
